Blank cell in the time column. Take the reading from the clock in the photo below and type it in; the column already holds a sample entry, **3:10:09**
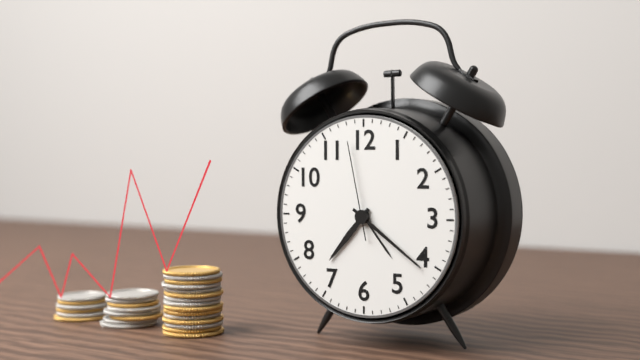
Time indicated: **7:21:58**
